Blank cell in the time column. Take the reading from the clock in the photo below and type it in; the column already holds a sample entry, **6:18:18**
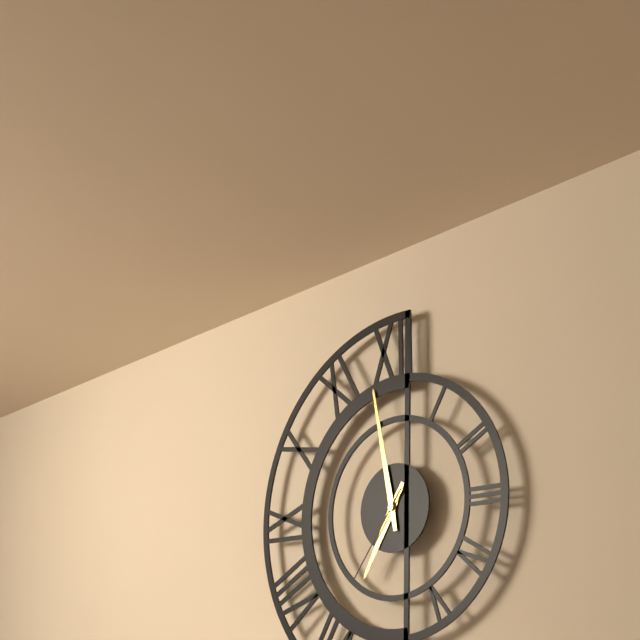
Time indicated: **6:58:36**
